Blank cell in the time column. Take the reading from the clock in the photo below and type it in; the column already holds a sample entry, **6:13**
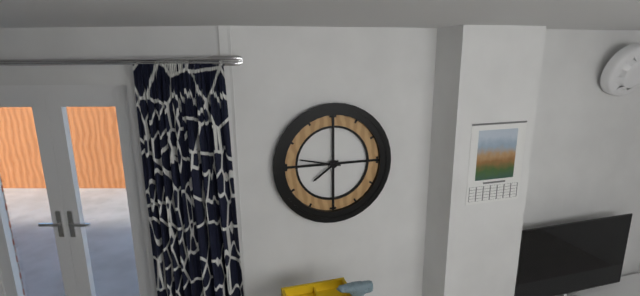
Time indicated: **7:47**
